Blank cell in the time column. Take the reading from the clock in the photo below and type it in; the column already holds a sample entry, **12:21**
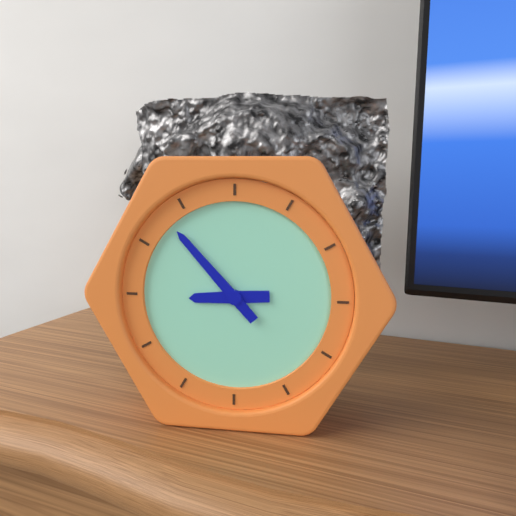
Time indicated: **8:53**
